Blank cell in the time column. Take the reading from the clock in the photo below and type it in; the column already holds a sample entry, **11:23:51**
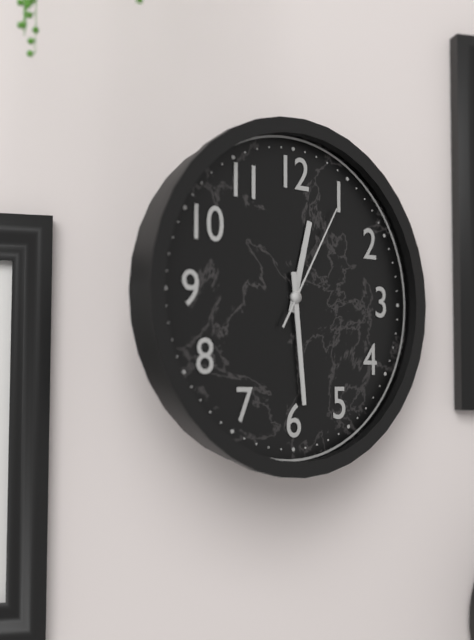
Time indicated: **12:29:05**
